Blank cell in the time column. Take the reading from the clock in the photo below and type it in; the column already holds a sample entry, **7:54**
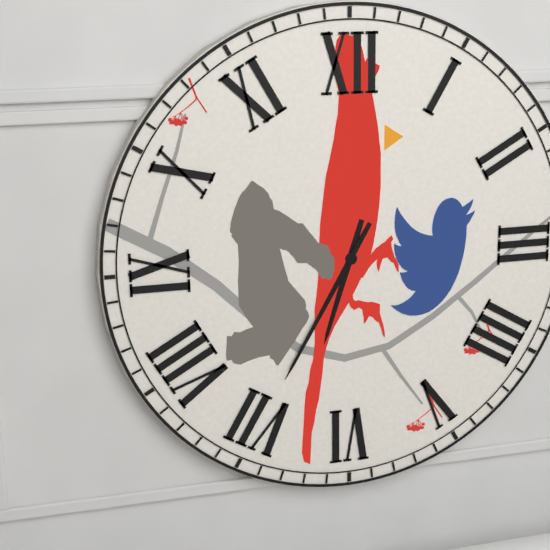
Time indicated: **6:35**
